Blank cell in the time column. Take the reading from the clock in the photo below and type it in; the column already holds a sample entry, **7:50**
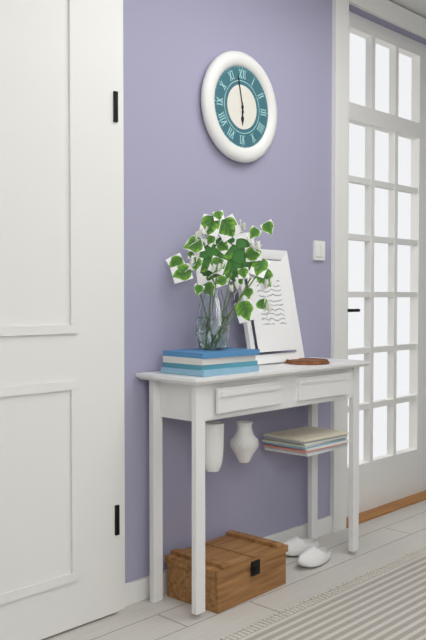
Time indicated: **5:58**
